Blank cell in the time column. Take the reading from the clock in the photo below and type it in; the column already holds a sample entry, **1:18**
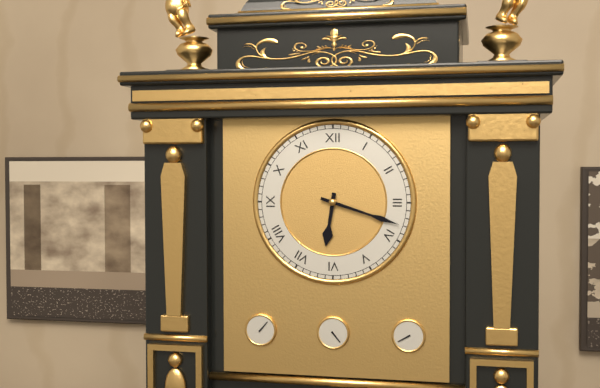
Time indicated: **6:18**
